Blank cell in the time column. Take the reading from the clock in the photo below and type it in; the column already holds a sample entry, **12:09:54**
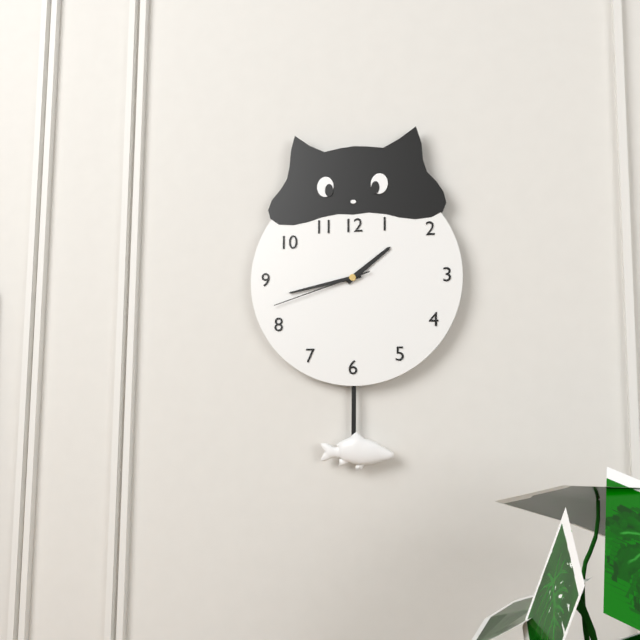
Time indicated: **1:43:42**
